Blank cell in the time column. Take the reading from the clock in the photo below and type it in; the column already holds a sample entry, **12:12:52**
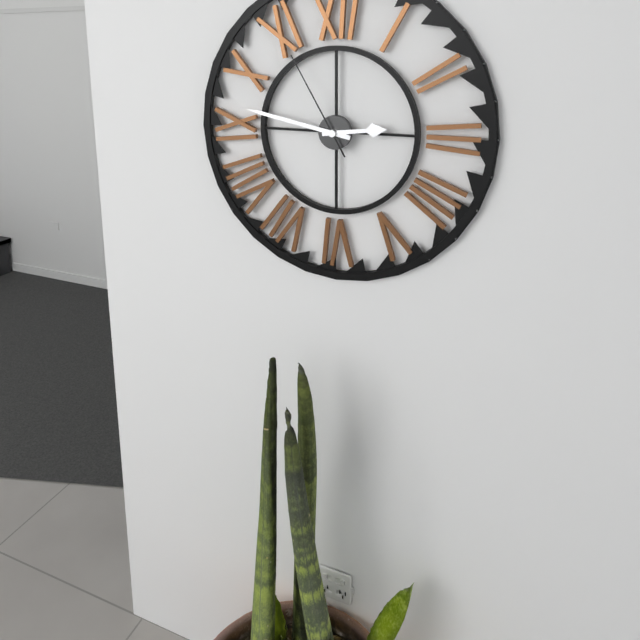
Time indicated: **2:47:55**
